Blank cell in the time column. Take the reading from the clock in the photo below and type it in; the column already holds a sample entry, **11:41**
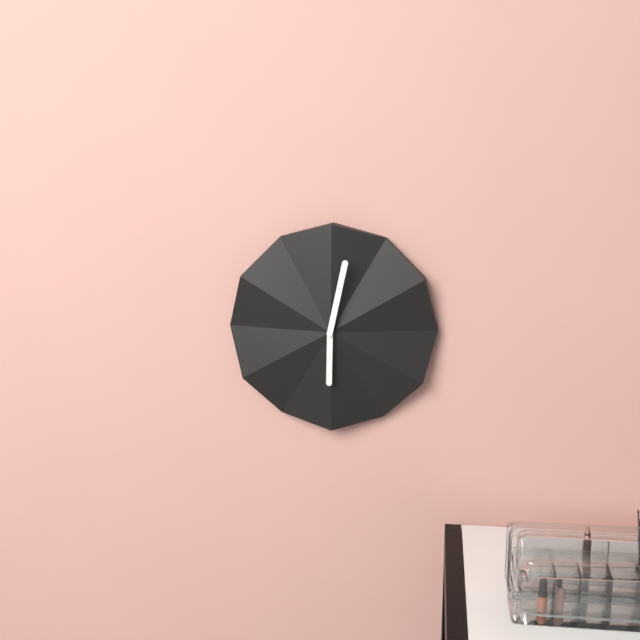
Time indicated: **6:02**
